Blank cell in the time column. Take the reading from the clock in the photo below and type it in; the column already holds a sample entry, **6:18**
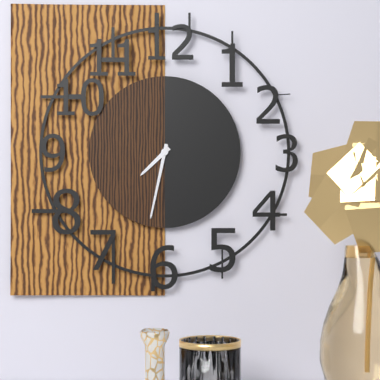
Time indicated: **7:32**
